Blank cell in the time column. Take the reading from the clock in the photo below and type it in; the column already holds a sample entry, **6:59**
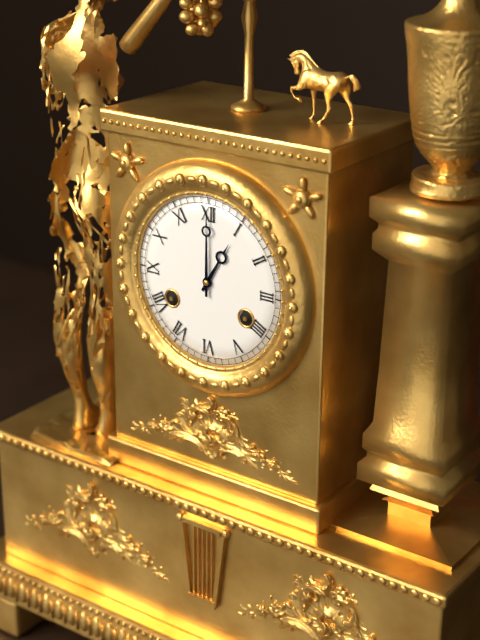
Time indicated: **1:00**
